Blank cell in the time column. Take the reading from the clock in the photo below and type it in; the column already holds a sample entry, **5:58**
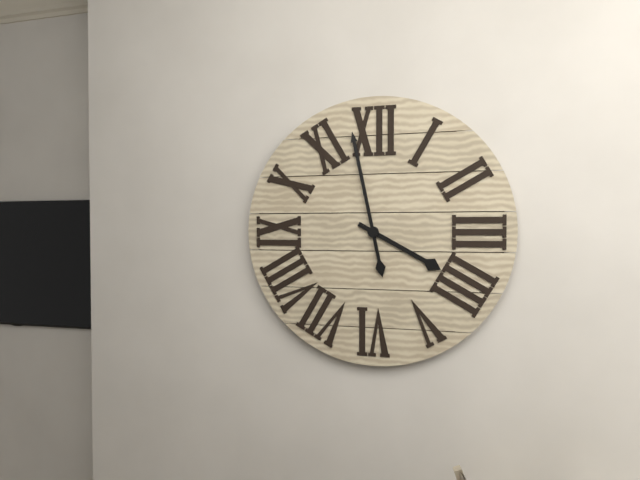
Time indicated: **3:58**
